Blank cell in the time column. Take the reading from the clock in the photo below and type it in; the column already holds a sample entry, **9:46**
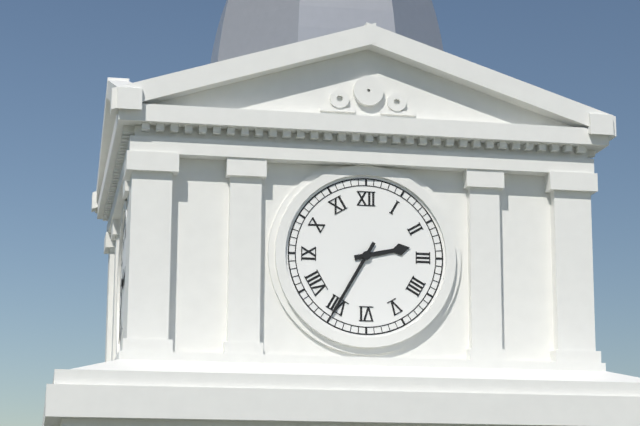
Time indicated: **2:35**
